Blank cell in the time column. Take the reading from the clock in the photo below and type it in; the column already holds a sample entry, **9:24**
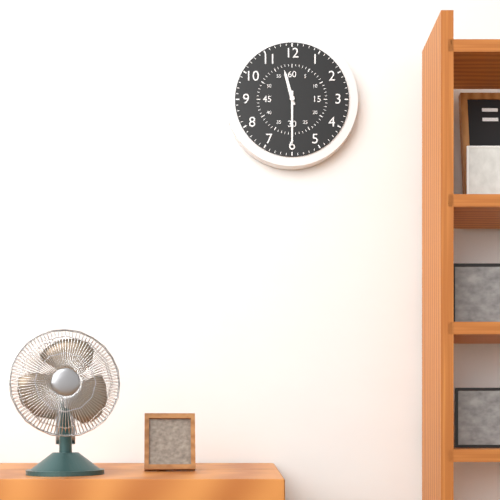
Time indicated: **11:30**
